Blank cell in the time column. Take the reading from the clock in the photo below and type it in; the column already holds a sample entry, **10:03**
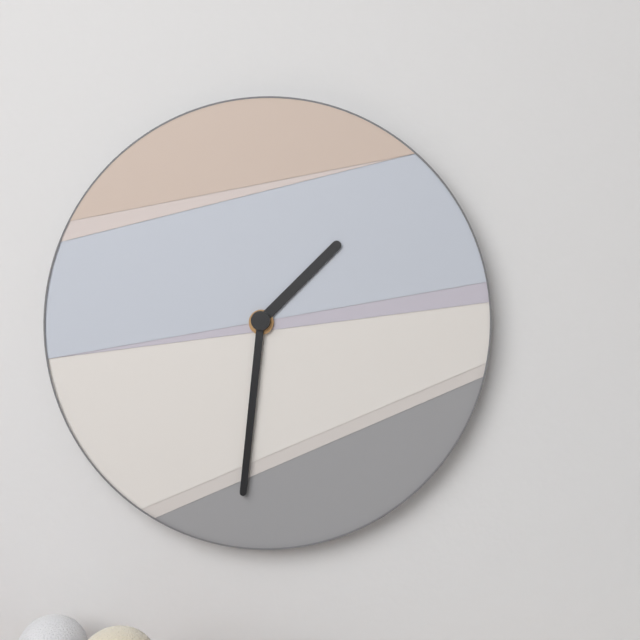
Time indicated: **1:31**
